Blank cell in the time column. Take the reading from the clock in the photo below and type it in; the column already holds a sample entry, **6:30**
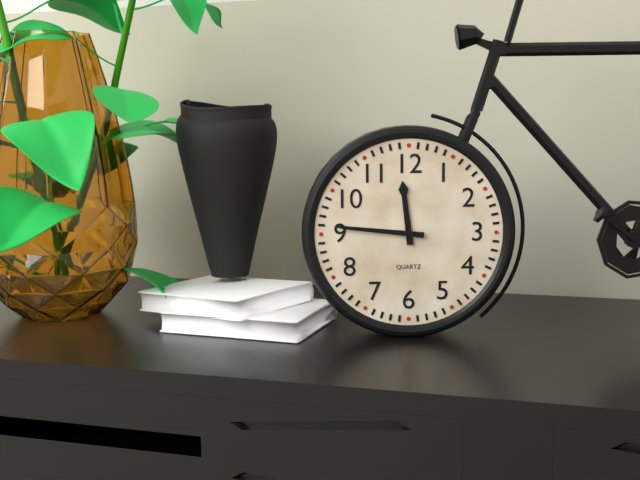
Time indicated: **11:46**
